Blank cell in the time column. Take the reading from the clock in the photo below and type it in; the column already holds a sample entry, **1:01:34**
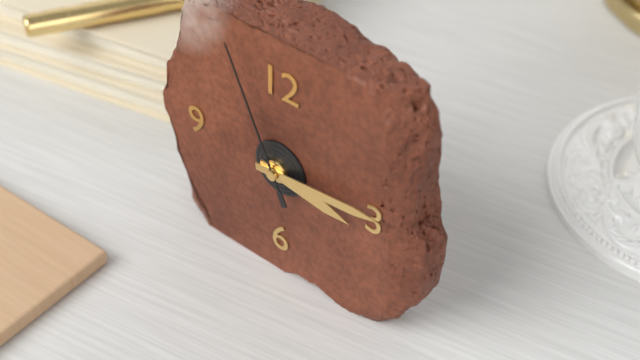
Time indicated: **3:14:56**
